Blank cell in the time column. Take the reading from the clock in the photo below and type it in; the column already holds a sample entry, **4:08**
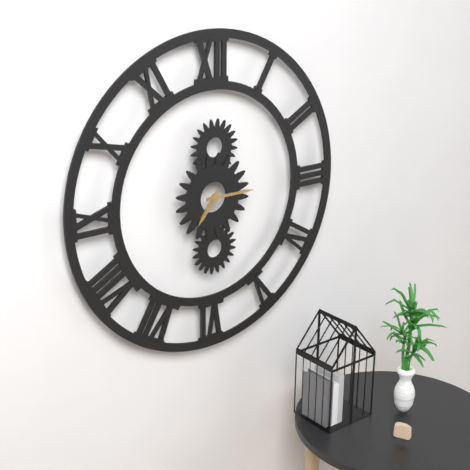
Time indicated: **7:15**
